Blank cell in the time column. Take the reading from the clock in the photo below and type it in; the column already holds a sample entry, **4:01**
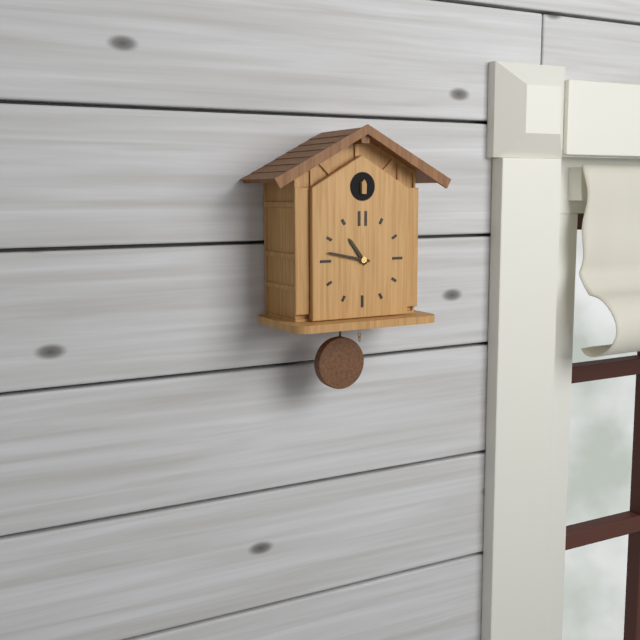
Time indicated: **10:47**
